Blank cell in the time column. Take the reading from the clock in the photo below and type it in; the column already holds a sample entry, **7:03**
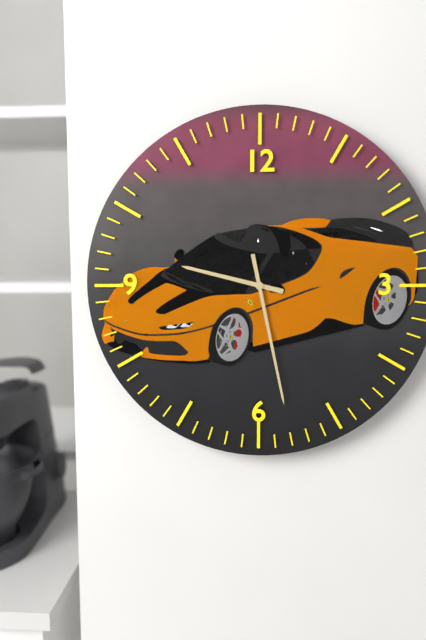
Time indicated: **9:28**
